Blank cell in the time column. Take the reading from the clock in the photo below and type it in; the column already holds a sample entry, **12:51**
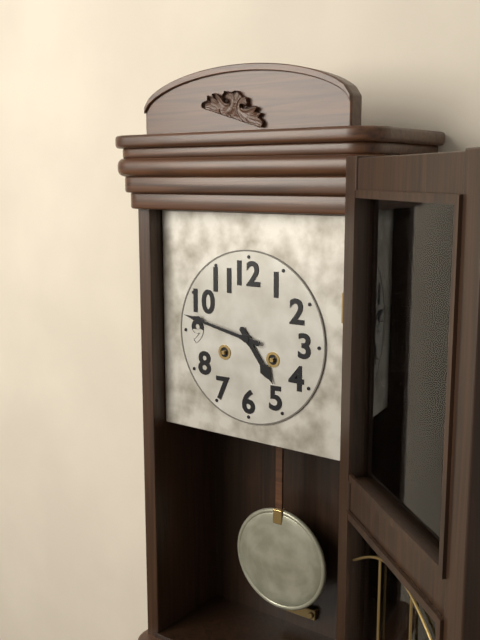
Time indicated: **4:47**
